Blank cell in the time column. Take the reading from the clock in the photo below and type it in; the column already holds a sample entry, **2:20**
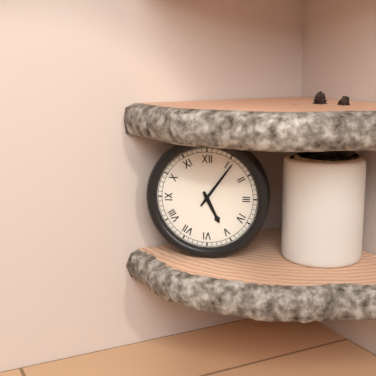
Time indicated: **5:06**
